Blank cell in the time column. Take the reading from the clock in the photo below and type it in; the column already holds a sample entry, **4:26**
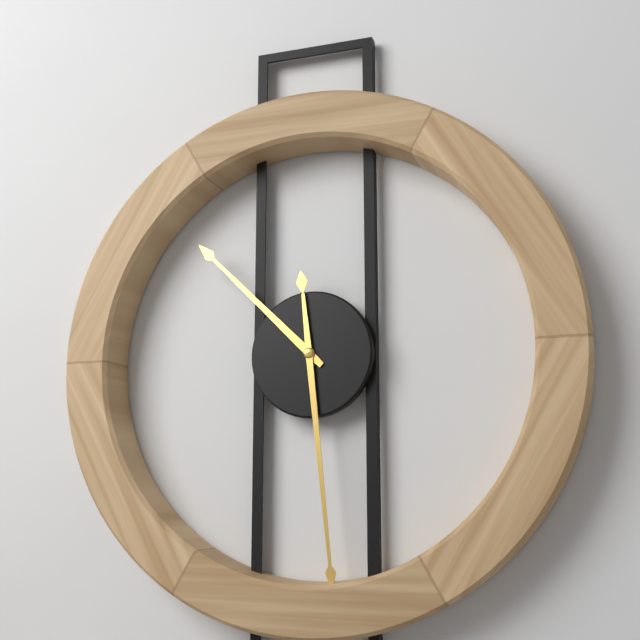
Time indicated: **10:29**
